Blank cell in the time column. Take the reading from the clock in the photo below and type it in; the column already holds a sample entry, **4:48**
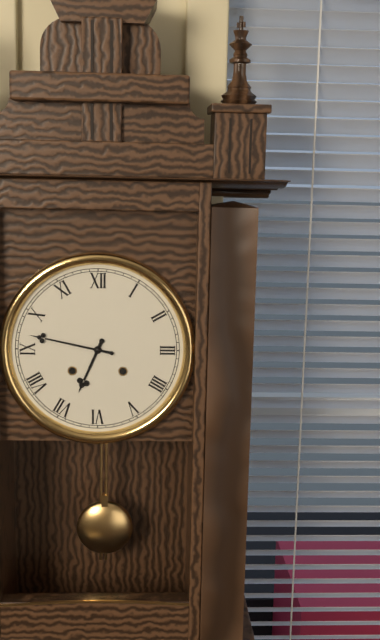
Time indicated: **6:47**
